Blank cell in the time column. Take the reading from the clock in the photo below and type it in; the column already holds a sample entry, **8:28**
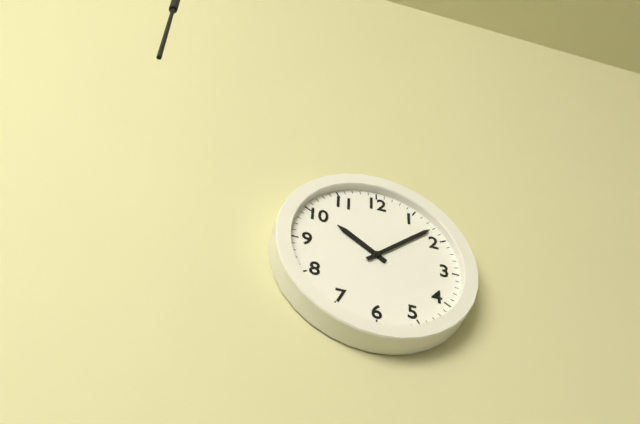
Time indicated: **10:08**
